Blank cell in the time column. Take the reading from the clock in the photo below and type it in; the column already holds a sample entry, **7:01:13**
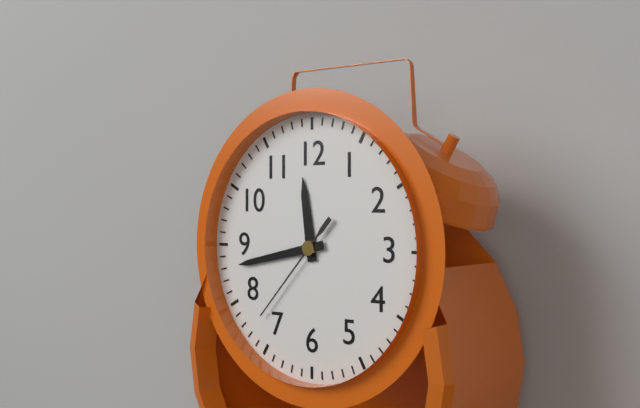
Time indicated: **11:43:37**
